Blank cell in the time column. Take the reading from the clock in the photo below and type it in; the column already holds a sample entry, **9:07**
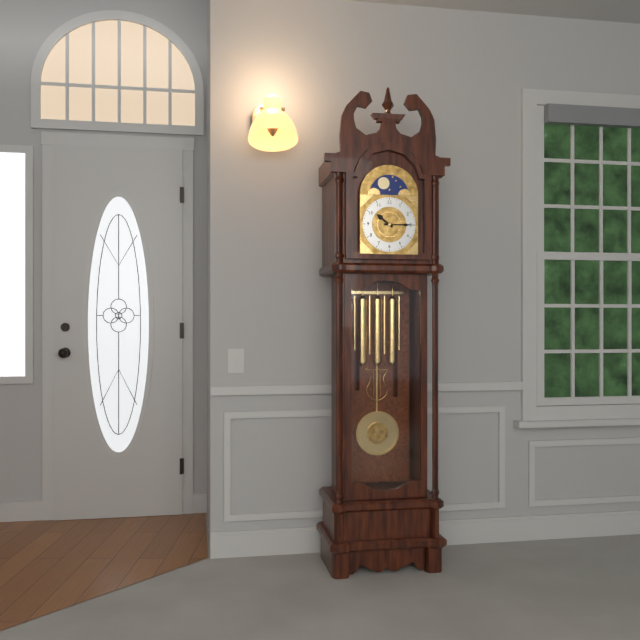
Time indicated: **10:15**
